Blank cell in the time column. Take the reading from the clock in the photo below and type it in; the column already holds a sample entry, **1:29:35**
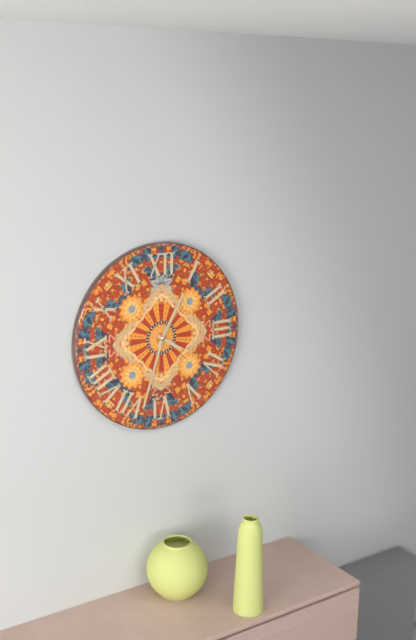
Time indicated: **4:05:33**
